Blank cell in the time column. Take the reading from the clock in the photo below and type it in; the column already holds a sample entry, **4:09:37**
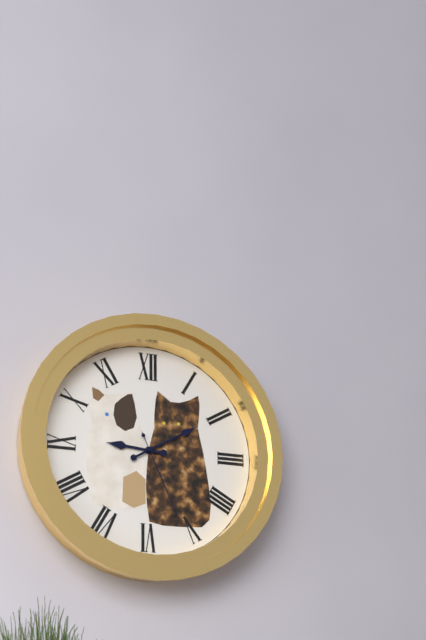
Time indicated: **9:10:26**
